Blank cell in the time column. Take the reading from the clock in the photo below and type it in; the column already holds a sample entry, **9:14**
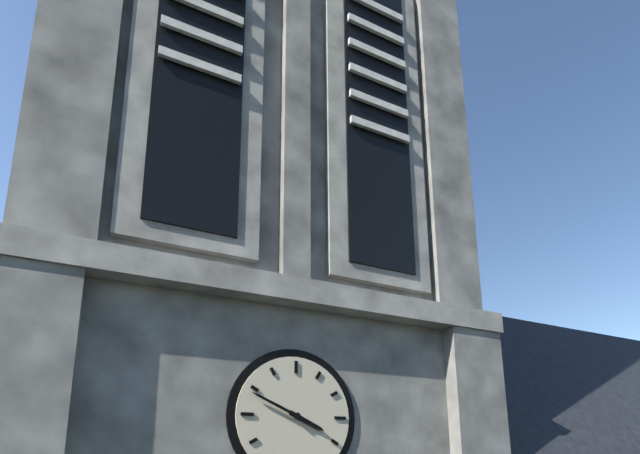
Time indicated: **3:49**
